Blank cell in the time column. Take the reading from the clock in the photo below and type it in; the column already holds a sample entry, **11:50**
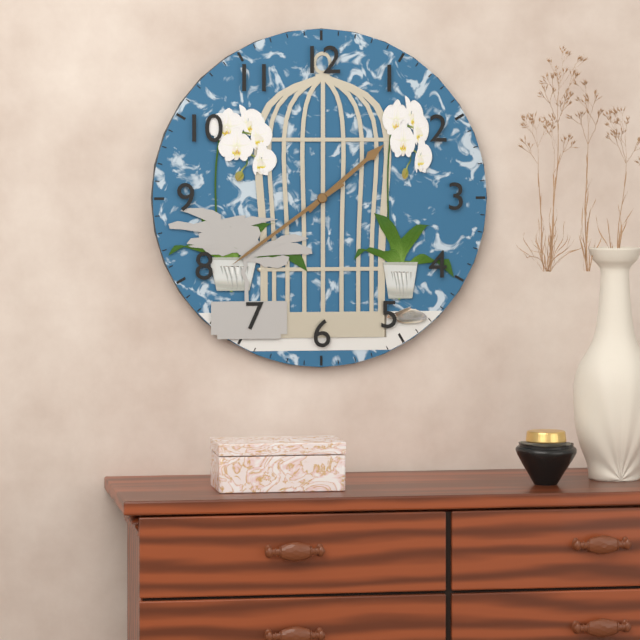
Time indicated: **1:39**
